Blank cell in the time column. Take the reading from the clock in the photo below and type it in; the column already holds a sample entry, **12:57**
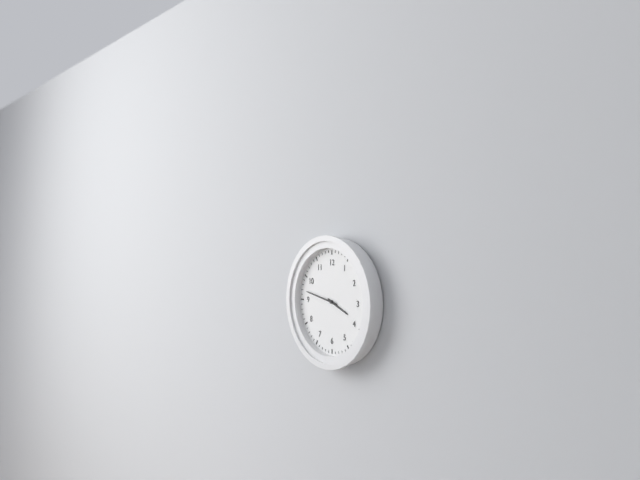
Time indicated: **3:47**
